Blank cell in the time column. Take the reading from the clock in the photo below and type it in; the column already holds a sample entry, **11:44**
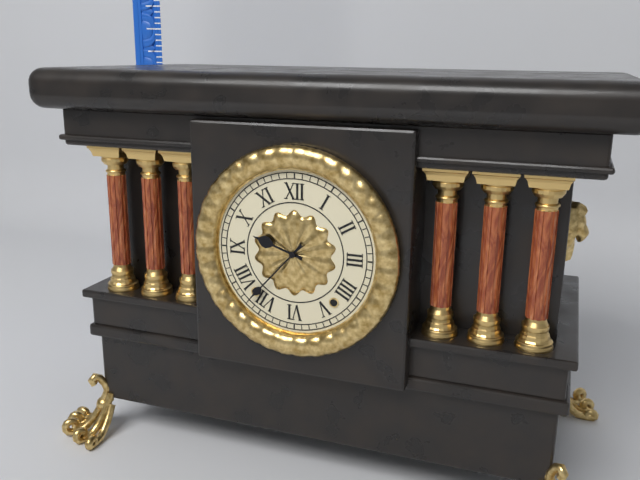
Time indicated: **9:37**
